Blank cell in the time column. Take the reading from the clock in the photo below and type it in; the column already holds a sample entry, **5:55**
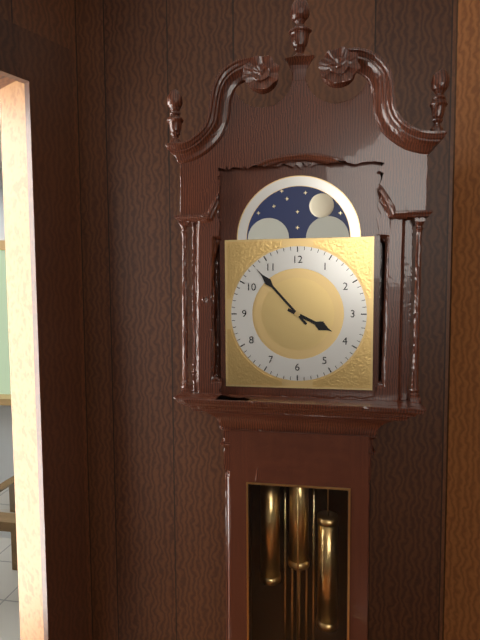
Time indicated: **3:53**
